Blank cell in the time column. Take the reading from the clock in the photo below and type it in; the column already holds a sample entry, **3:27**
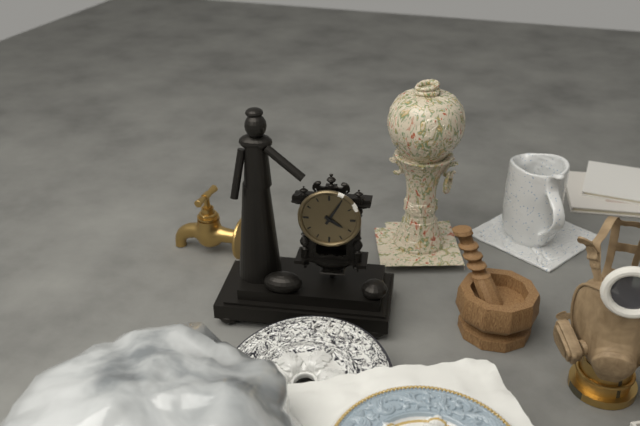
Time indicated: **4:05**
